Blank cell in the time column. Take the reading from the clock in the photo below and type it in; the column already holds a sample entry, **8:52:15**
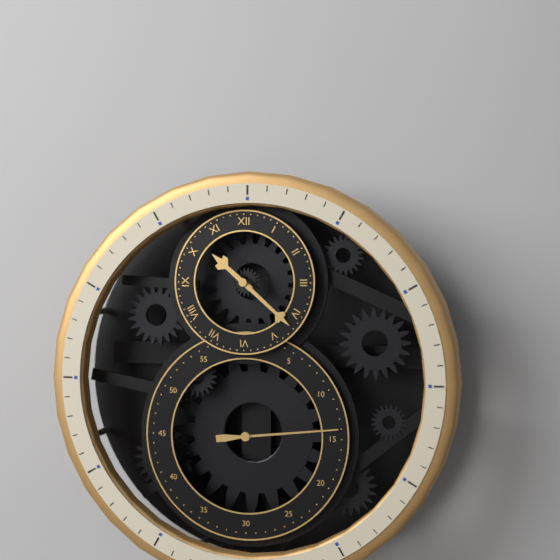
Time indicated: **10:22:14**
